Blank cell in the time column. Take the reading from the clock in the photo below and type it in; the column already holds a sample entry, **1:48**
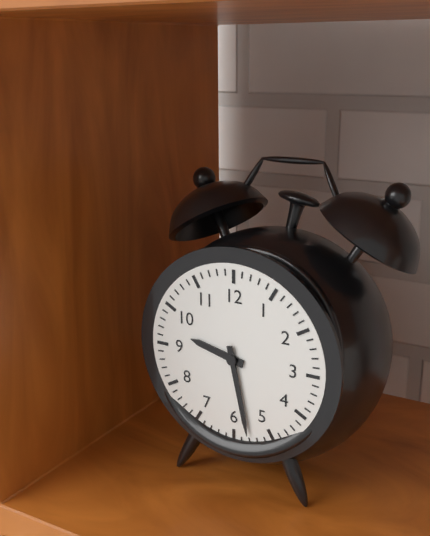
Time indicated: **9:28**
